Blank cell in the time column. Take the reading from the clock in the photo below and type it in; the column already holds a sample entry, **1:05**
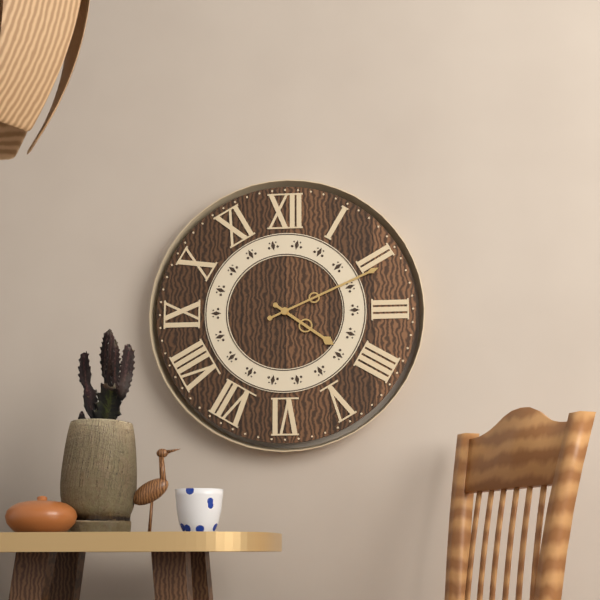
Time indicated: **4:11**
